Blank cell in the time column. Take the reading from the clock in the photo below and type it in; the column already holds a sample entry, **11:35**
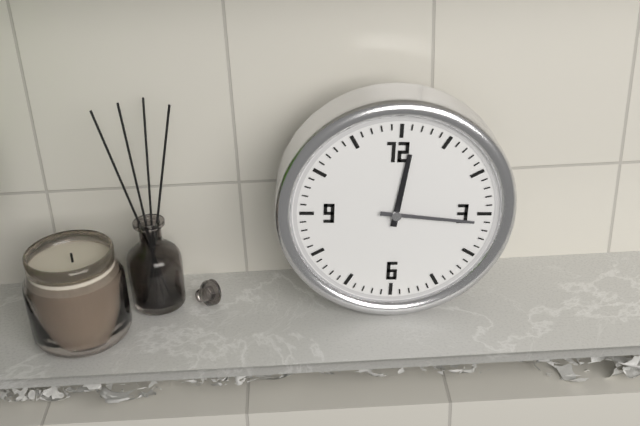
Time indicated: **12:16**
